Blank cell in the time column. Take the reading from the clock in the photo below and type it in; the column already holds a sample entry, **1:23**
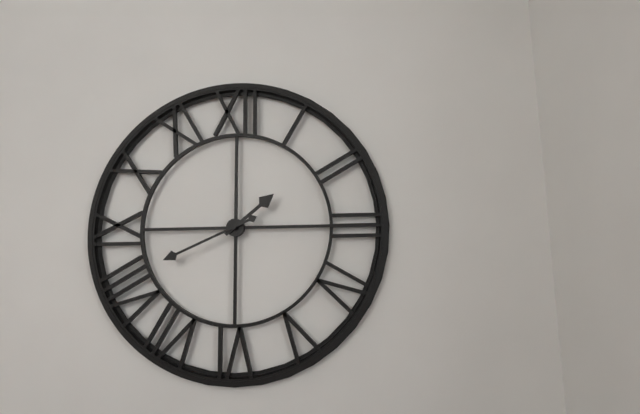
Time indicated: **1:41**
